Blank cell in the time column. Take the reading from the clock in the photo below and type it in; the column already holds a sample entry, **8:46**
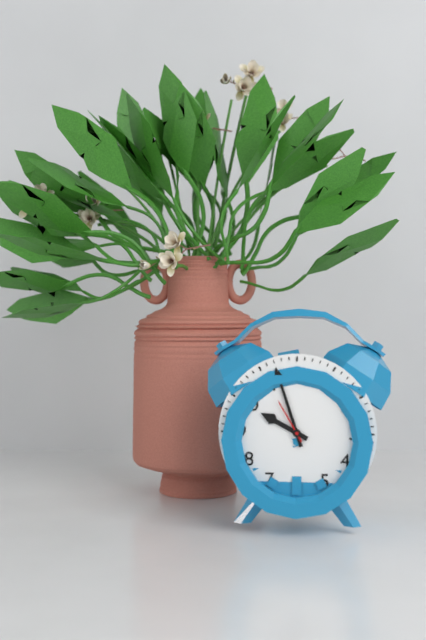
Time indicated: **9:57**
